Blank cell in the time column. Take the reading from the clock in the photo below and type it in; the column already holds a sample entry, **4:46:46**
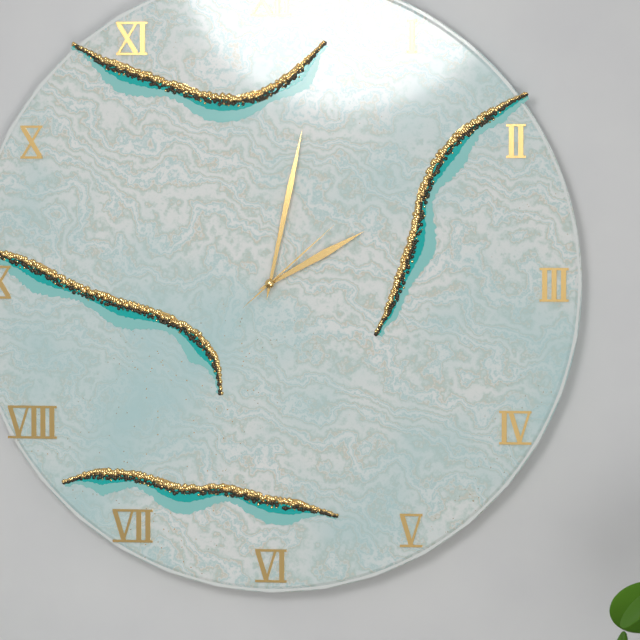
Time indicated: **2:02:08**
